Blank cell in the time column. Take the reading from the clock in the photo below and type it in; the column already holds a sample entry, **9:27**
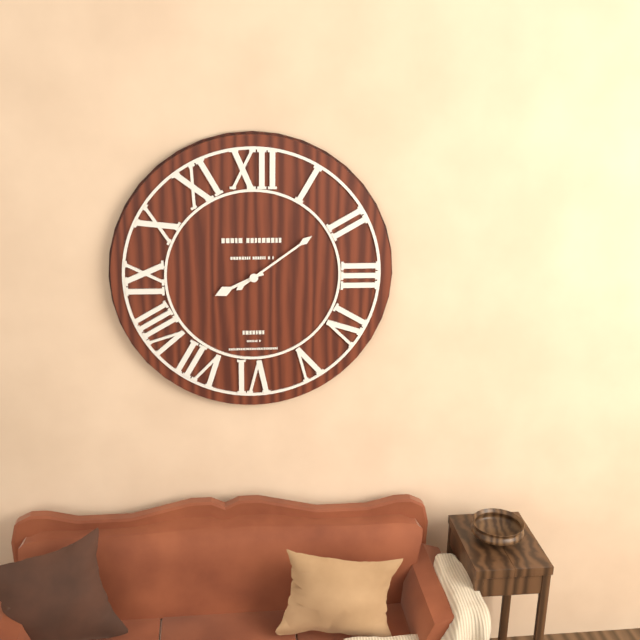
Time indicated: **8:09**
